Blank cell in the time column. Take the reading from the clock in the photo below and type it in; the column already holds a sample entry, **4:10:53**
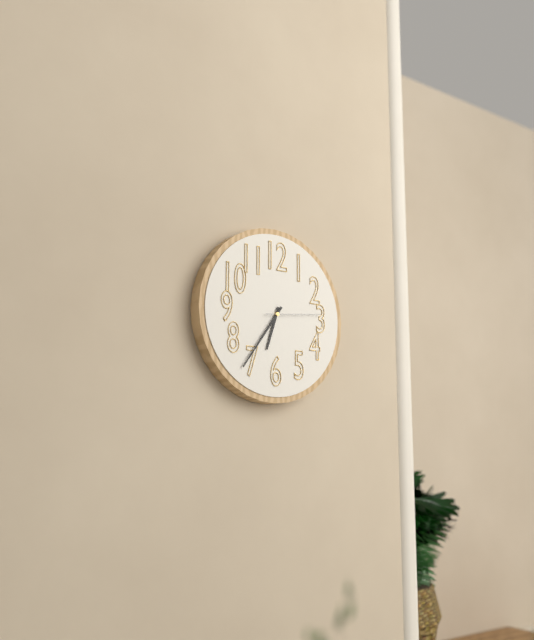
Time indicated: **6:36:14**
